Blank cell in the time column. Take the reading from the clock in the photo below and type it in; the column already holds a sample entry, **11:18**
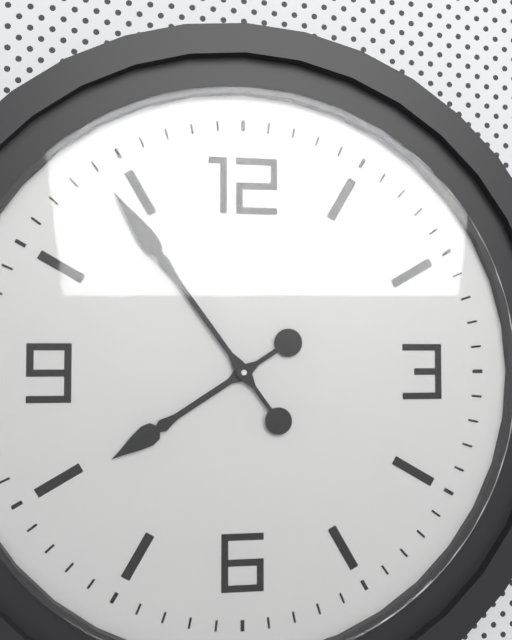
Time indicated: **7:54**
